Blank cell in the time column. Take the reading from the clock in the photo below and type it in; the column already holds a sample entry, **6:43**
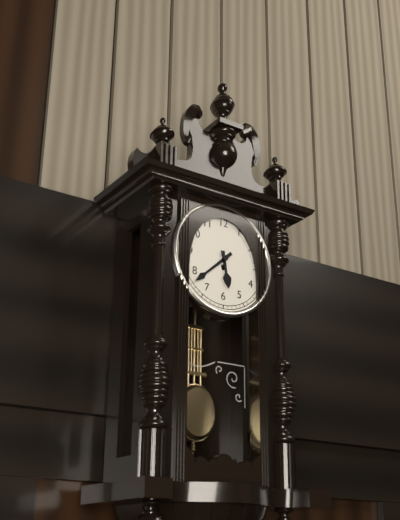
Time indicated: **5:38**
